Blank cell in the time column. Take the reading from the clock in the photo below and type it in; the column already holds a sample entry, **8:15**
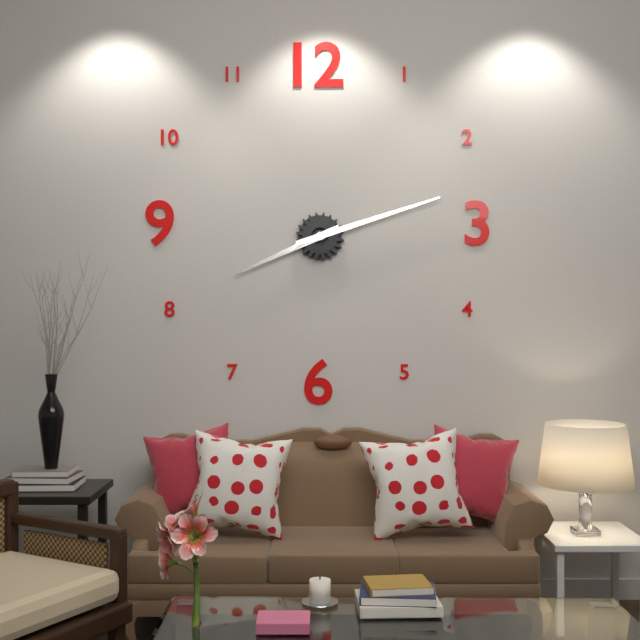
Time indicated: **8:12**
